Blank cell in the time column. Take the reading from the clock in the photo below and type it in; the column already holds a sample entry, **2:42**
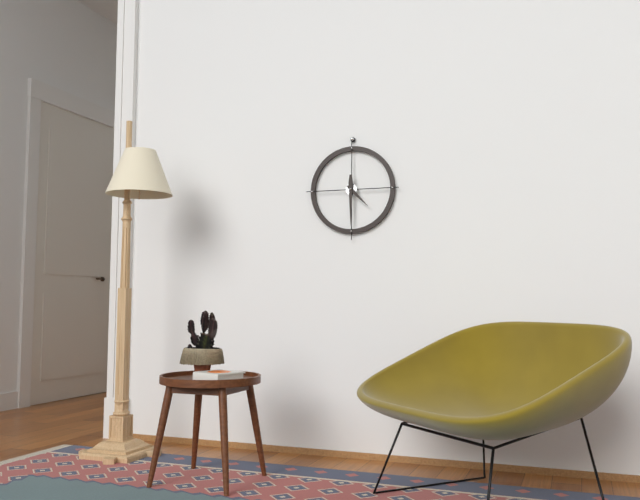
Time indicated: **4:30**
